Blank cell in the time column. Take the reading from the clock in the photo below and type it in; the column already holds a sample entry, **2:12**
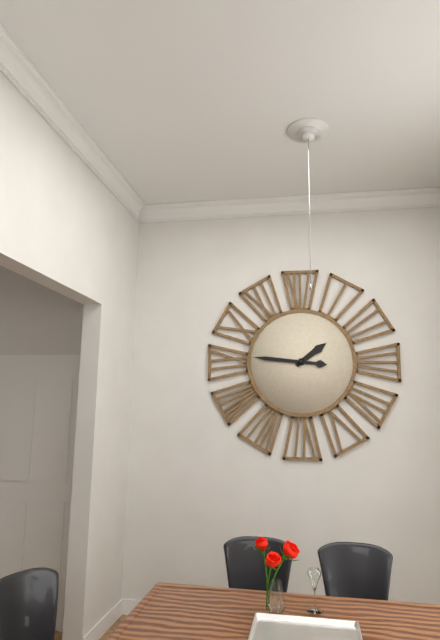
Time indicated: **1:46**
